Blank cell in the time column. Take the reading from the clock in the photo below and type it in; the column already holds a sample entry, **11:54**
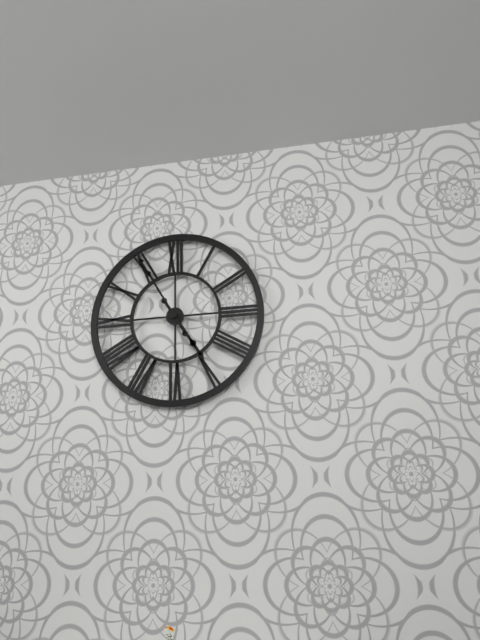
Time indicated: **4:55**
